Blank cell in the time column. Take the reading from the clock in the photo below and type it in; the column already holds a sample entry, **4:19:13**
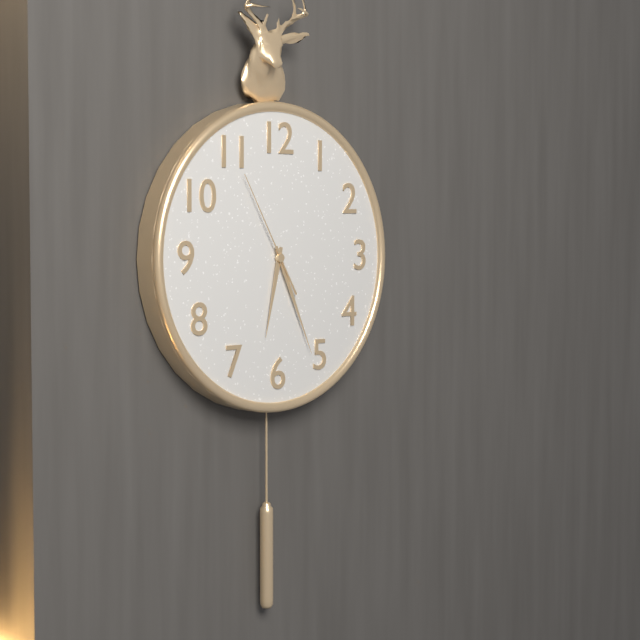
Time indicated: **6:26:55**
